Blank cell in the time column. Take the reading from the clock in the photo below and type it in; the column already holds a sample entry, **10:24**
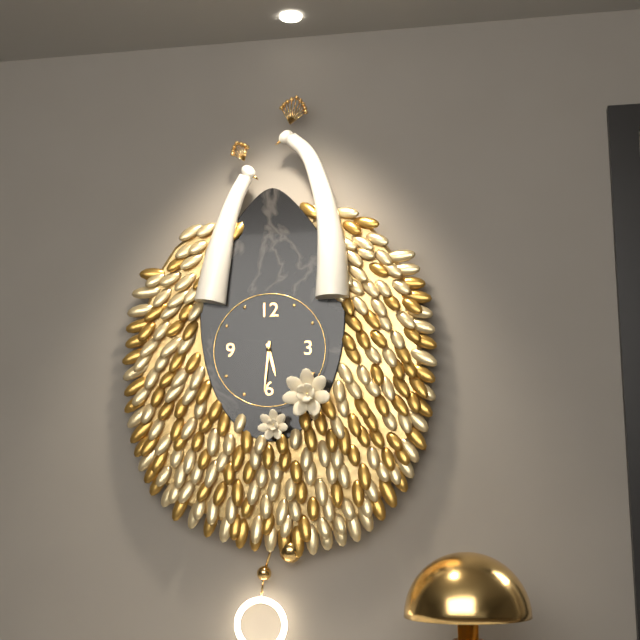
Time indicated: **5:31**
